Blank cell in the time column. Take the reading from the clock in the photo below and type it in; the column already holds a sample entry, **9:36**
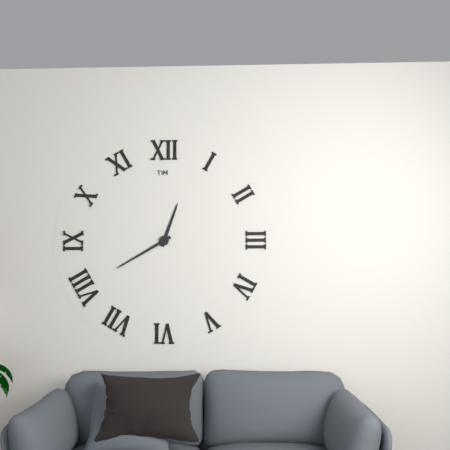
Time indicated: **12:40**
